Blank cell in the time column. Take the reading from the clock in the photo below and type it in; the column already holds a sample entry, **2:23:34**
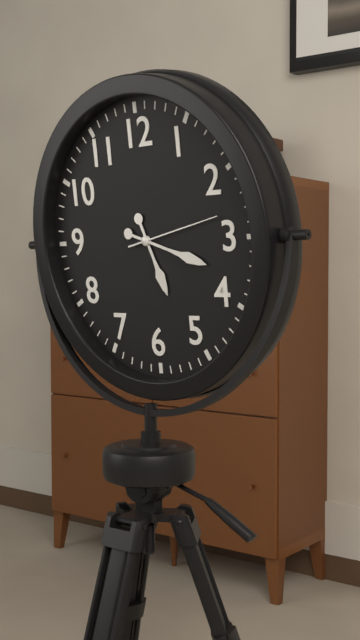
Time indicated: **5:18:13**
